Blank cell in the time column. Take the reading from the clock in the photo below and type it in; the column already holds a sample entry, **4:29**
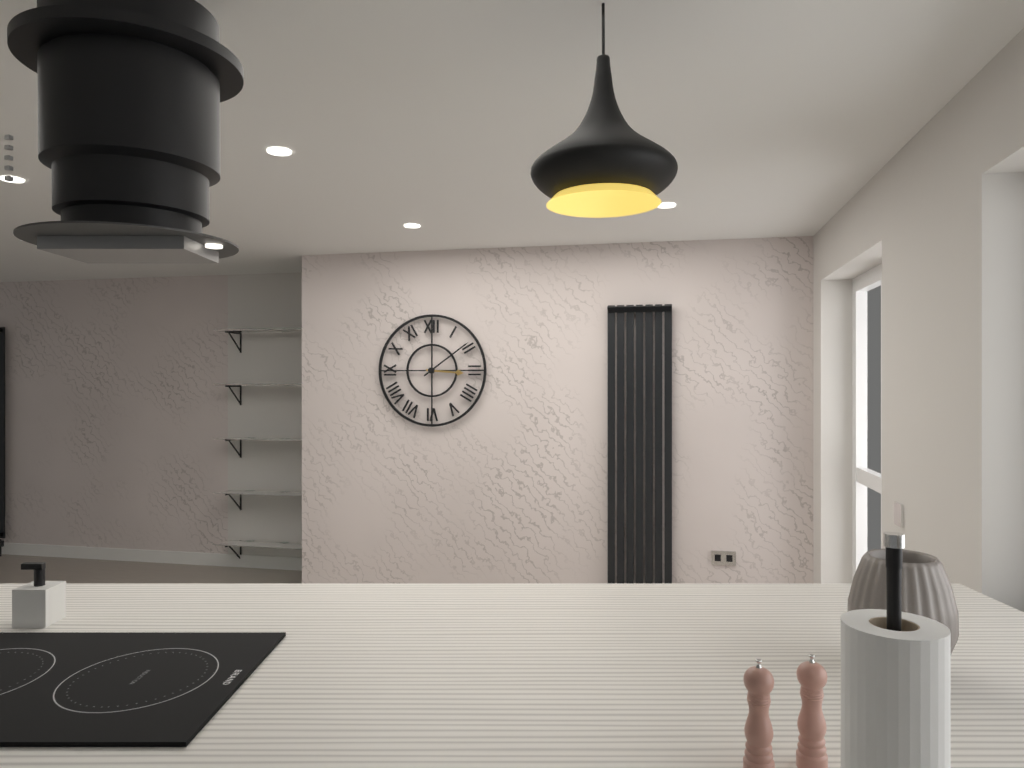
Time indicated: **3:09**
